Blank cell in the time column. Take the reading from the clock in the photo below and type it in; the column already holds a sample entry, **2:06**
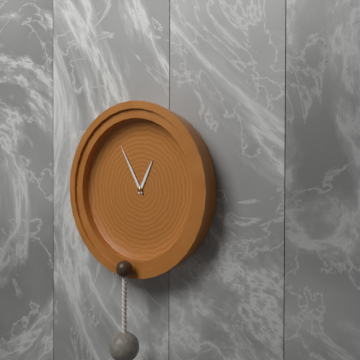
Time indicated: **12:55**
